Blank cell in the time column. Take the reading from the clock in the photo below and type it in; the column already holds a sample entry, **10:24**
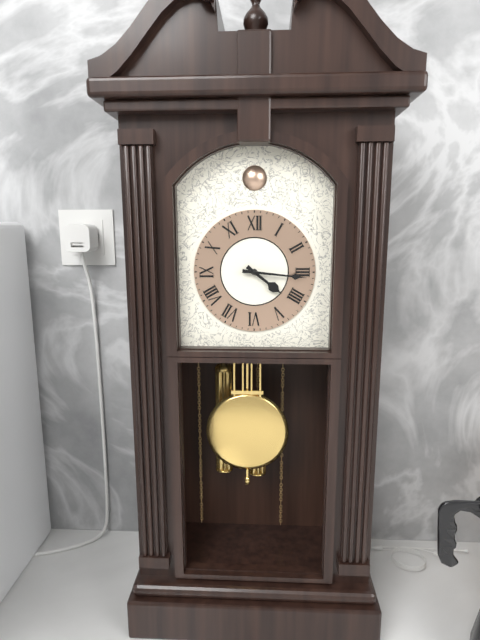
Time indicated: **4:16**
